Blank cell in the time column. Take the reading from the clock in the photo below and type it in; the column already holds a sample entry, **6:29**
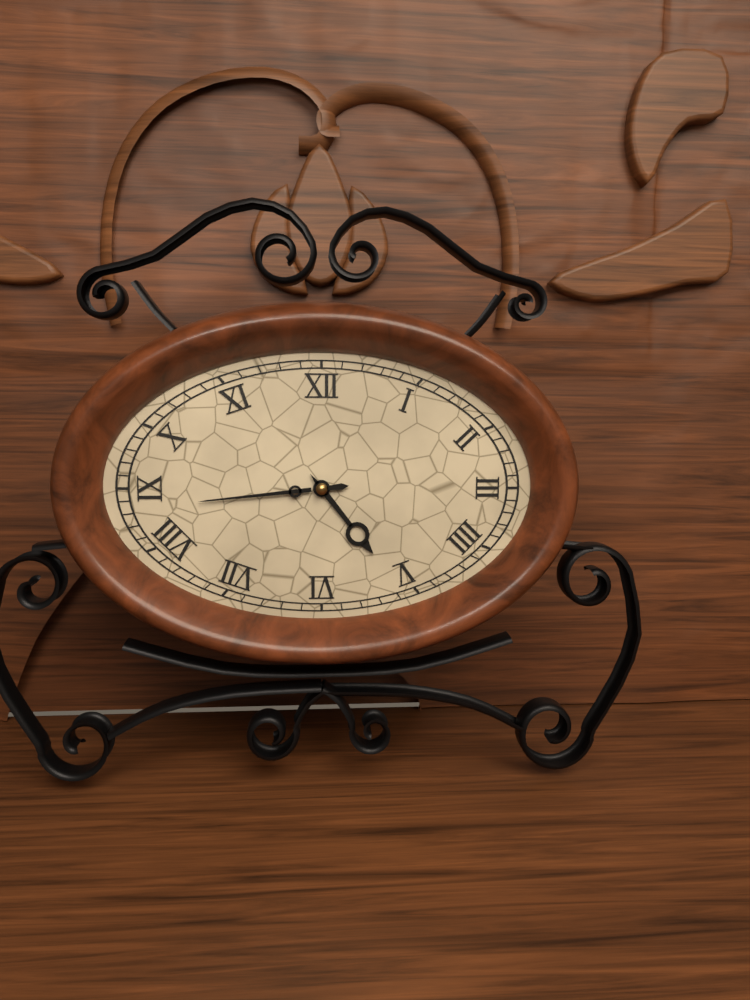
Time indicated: **4:44**
